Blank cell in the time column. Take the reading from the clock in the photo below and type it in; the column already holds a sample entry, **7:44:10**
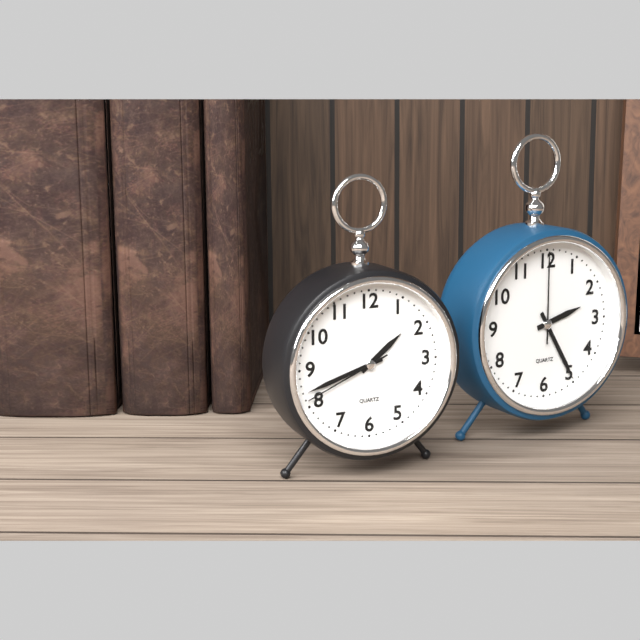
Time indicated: **1:42:41**
